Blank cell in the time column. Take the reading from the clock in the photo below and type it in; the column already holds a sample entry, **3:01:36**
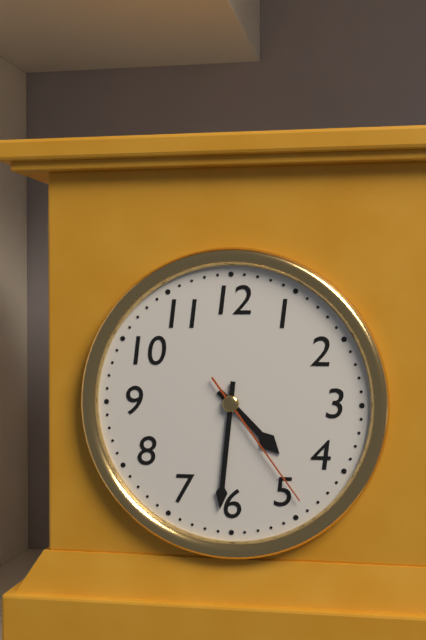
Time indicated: **4:31:24**
